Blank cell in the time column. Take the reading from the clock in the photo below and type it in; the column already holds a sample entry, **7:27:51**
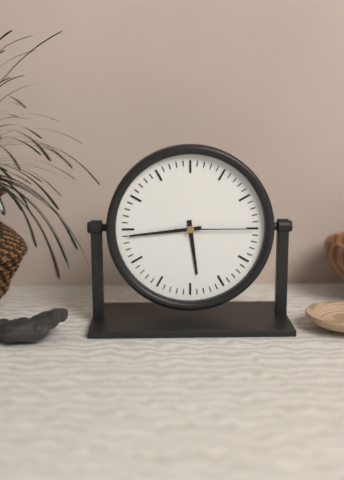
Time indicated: **5:44:15**
